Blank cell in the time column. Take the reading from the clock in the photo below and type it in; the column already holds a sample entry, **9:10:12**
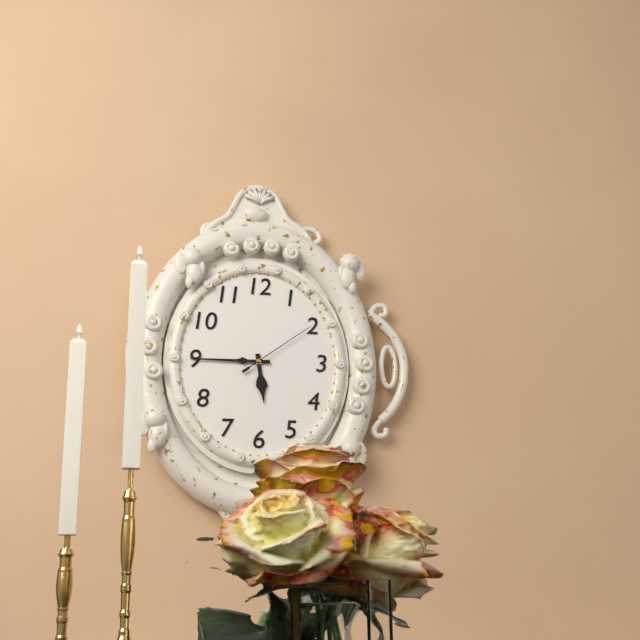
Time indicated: **5:45:09**
